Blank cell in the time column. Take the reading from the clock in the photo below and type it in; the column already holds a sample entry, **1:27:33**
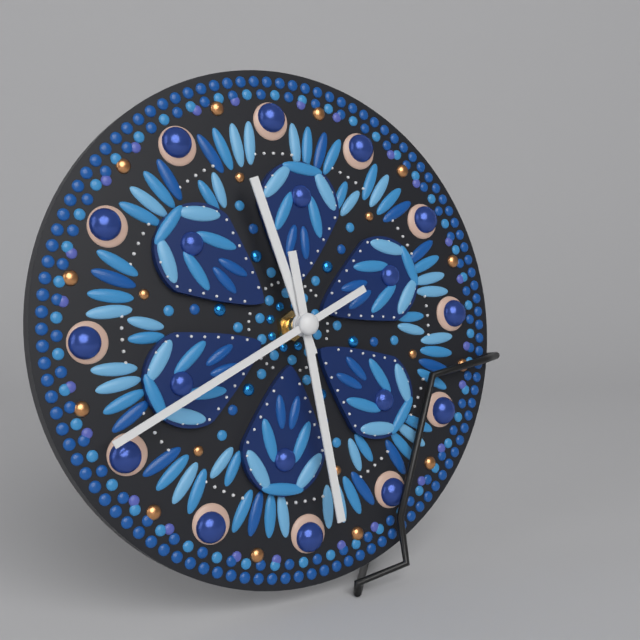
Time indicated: **11:29:41**
